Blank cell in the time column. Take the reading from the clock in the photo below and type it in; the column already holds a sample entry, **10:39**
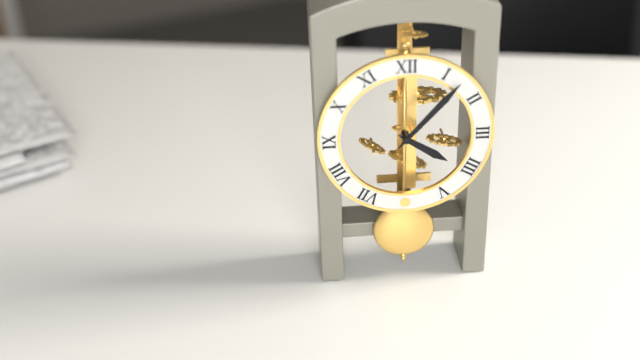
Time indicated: **4:07**
